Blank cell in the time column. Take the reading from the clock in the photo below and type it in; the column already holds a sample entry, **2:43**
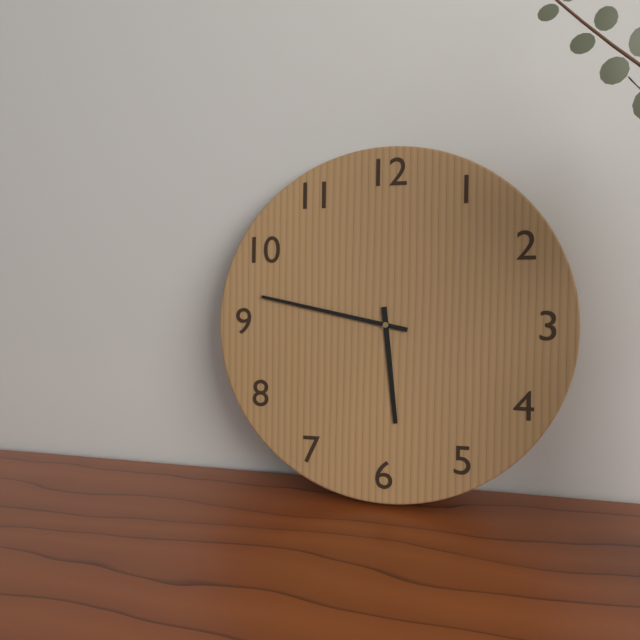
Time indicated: **5:47**
